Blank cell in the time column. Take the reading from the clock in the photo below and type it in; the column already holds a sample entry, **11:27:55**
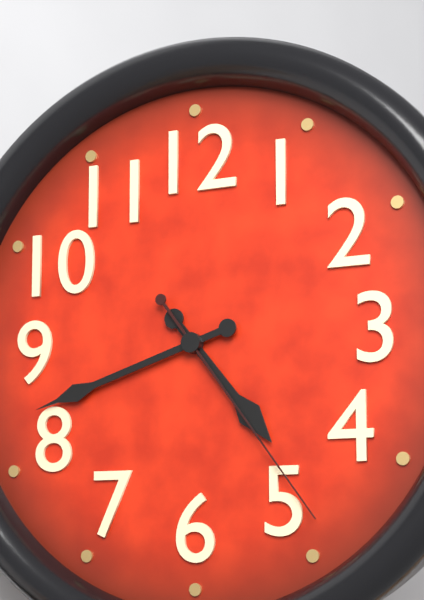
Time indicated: **4:42:24**
